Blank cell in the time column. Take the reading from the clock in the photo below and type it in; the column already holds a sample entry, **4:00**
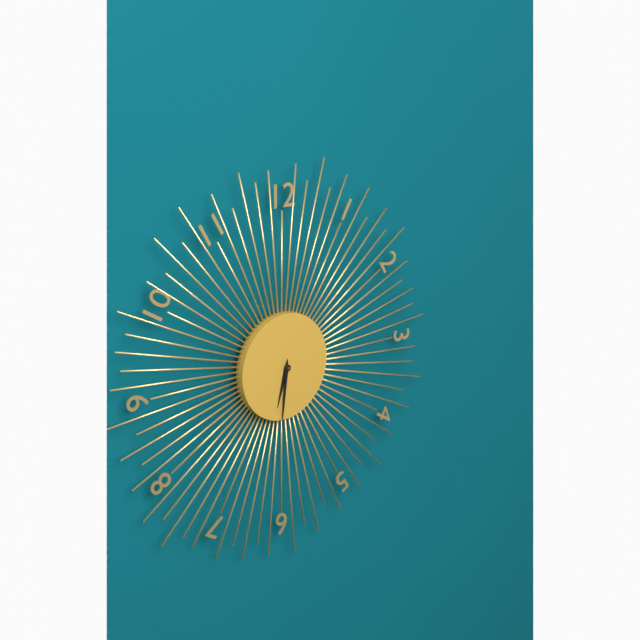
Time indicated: **6:31**
